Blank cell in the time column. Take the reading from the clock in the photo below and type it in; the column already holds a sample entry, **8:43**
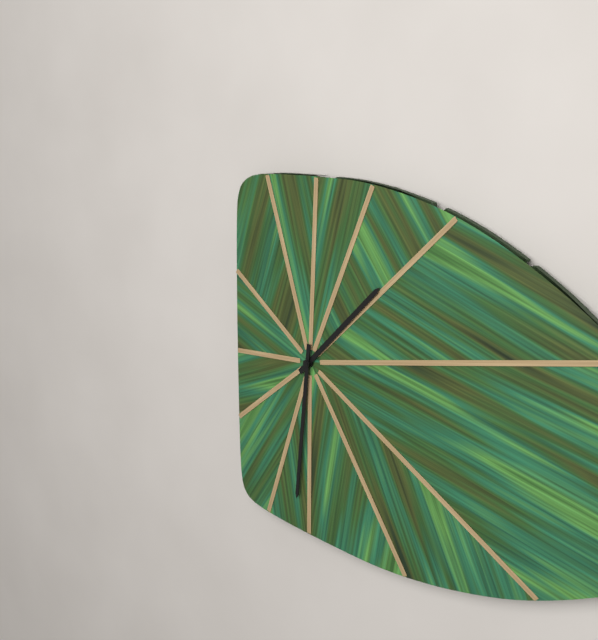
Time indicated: **1:31**
